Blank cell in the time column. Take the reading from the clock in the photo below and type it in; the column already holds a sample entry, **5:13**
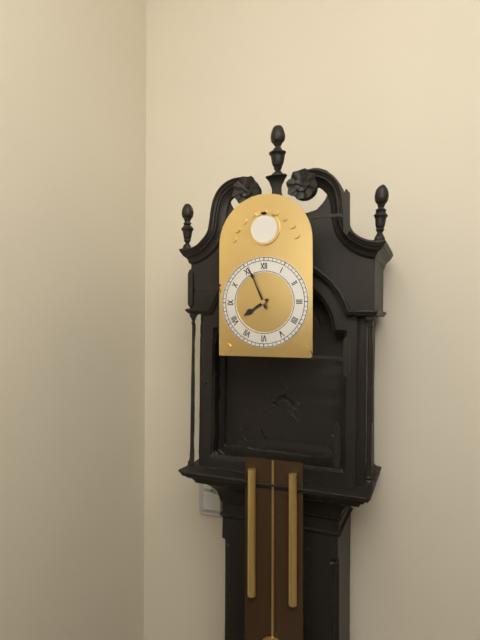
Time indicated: **7:56**
